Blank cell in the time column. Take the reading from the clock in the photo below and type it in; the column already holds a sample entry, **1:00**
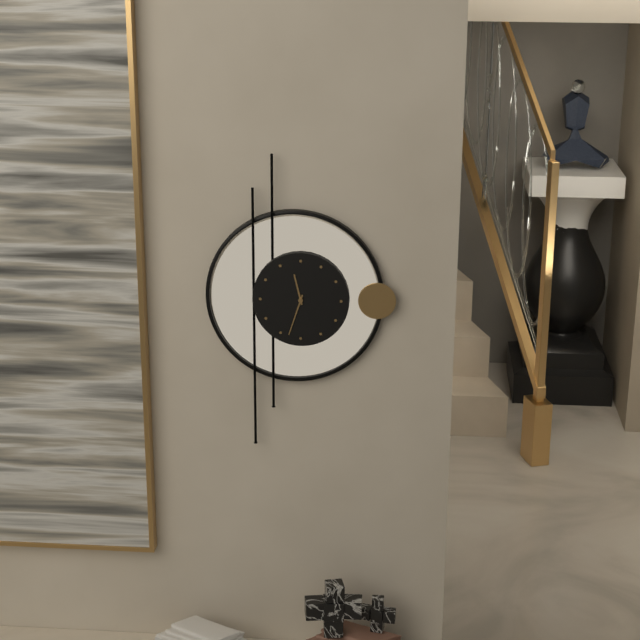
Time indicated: **11:33**
